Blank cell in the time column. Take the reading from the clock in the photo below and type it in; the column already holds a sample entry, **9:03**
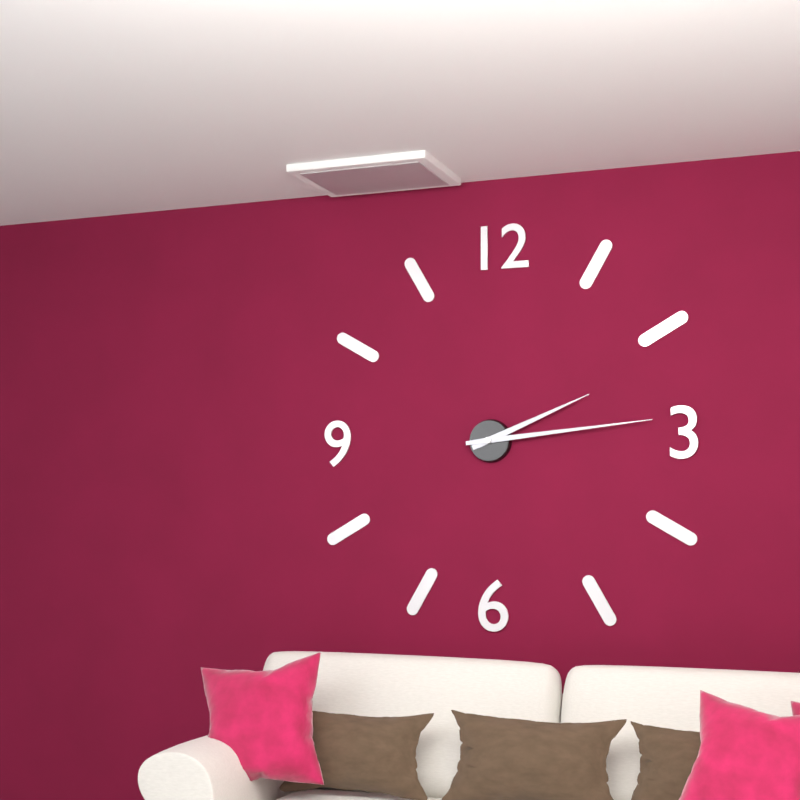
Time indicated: **2:14**
